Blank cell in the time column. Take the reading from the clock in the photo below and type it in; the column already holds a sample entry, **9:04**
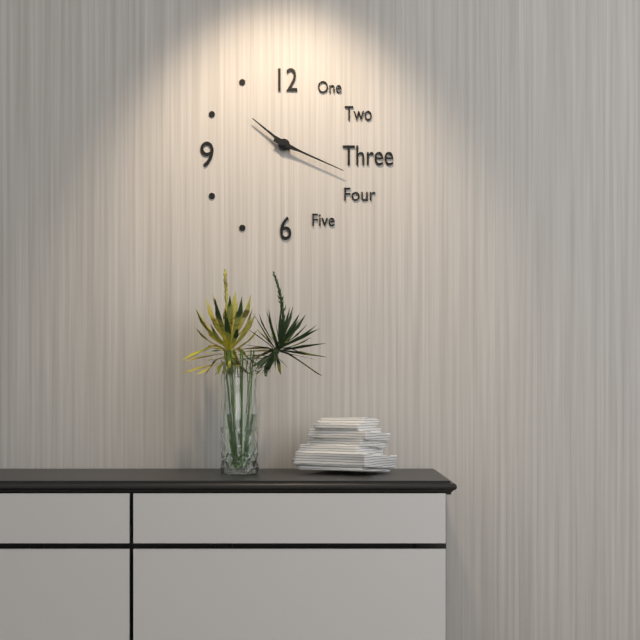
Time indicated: **10:19**
